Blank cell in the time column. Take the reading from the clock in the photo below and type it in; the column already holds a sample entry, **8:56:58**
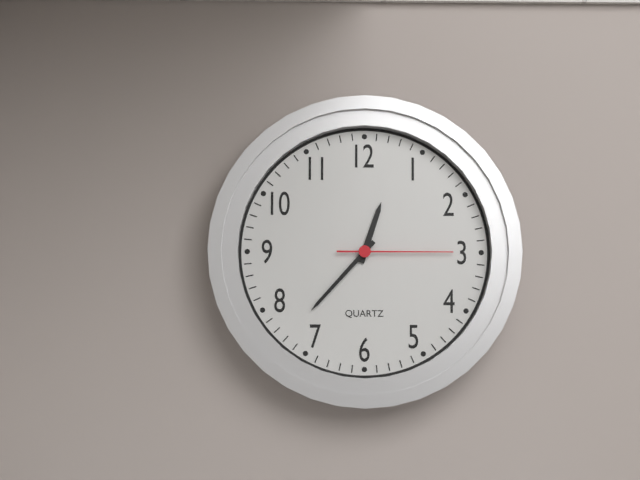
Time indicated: **12:37:15**
